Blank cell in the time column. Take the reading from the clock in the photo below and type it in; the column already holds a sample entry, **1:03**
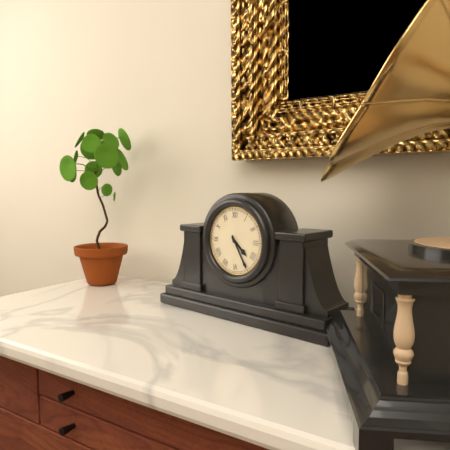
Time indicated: **4:25**
